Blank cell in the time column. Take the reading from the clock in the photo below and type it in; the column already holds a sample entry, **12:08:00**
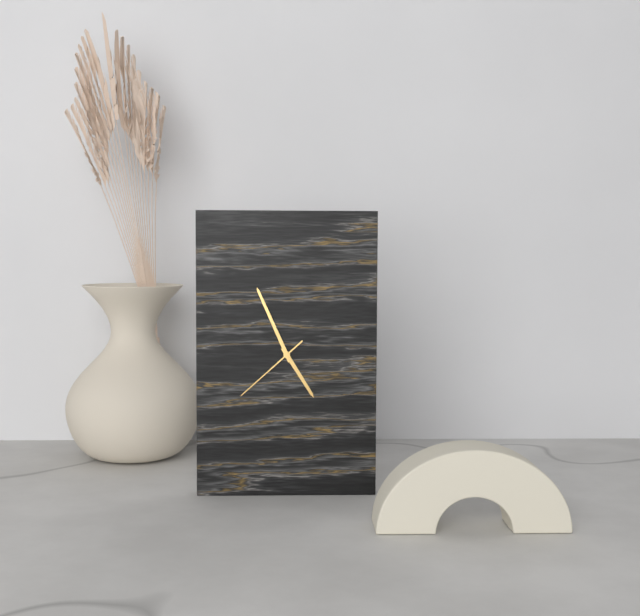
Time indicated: **4:56:38**
